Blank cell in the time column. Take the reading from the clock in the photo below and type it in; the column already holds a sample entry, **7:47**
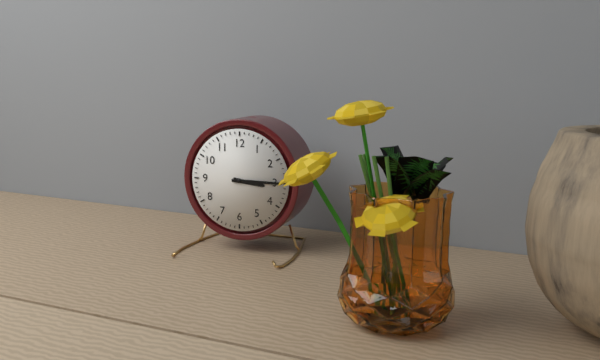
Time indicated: **3:15**
